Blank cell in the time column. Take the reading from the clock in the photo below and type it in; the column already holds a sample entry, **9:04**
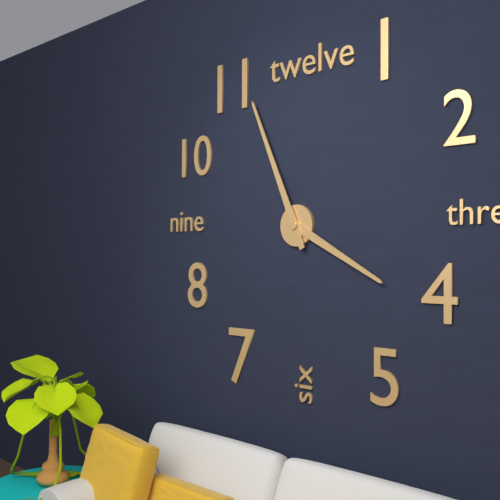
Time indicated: **3:56**
